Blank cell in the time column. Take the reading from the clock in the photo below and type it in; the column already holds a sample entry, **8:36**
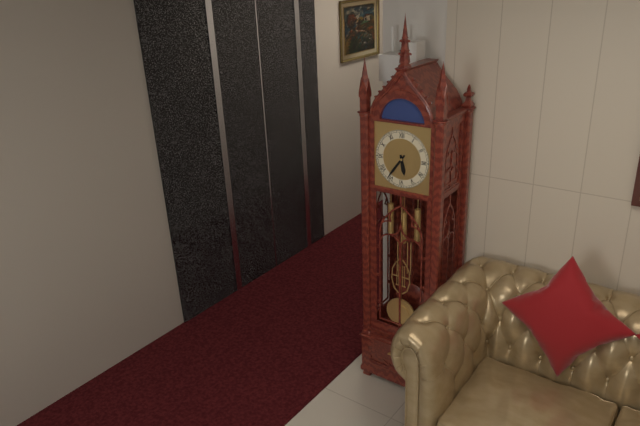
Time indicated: **5:36**
